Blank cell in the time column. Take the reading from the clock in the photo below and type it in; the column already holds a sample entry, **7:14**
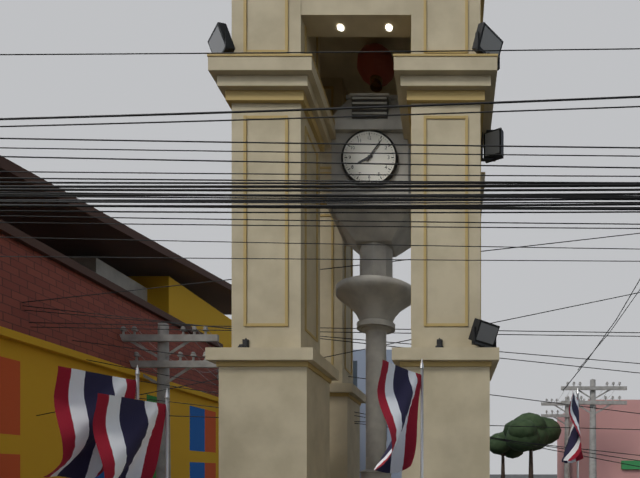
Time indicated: **8:06**
